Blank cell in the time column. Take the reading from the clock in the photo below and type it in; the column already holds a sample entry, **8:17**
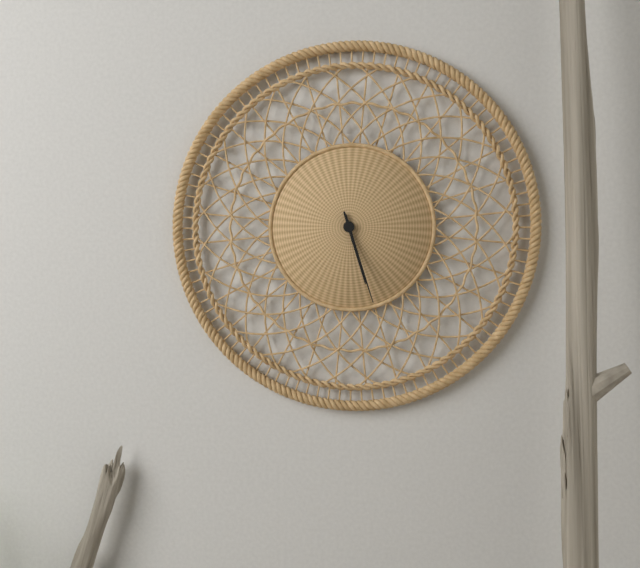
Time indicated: **5:27**
